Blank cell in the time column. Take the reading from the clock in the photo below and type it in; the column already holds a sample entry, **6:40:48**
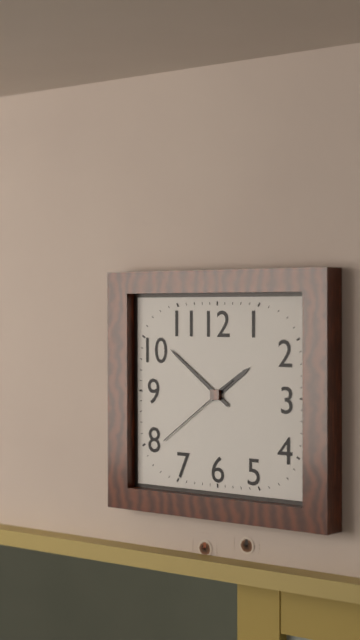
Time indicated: **1:51:39**
